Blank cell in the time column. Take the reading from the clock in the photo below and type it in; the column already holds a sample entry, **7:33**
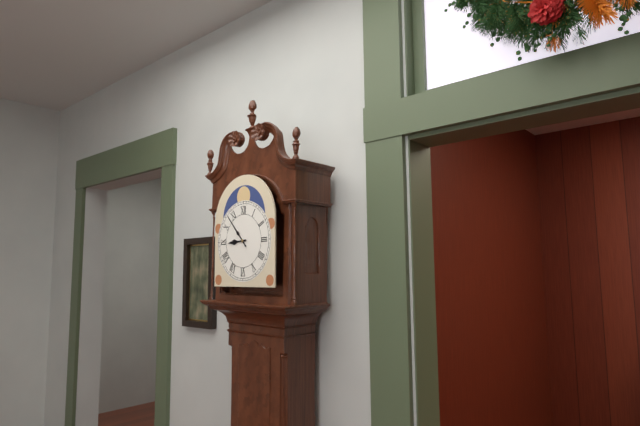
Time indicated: **8:53**
